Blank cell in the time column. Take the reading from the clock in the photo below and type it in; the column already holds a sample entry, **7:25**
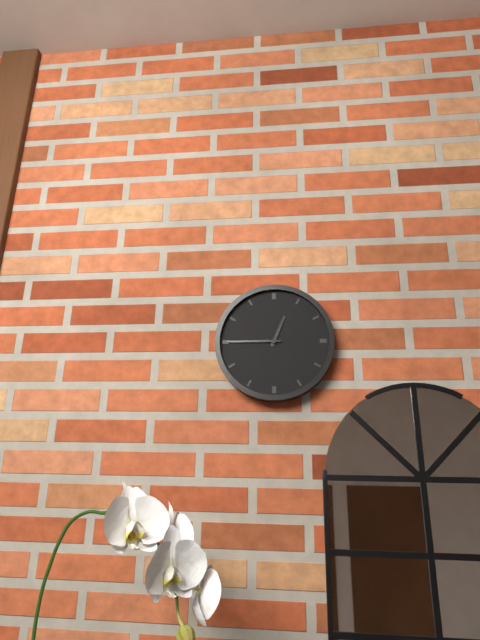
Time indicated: **12:45**
